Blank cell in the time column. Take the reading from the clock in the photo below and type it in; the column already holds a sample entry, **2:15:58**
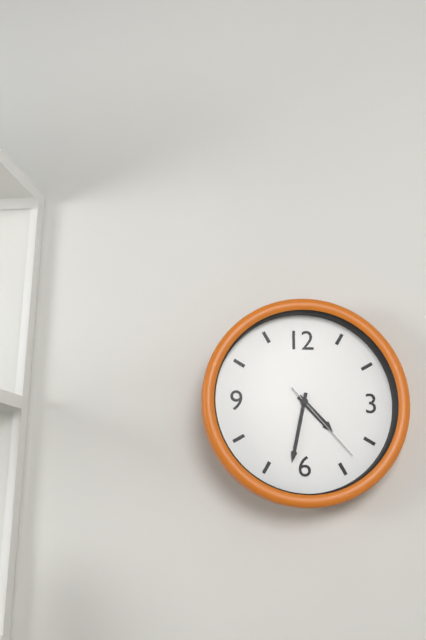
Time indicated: **4:32:23**
